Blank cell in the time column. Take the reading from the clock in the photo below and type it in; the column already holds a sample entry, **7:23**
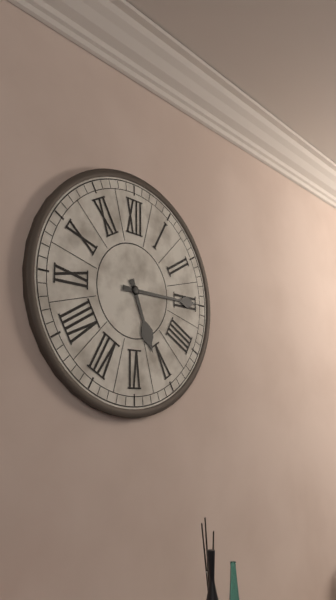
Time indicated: **5:15**
